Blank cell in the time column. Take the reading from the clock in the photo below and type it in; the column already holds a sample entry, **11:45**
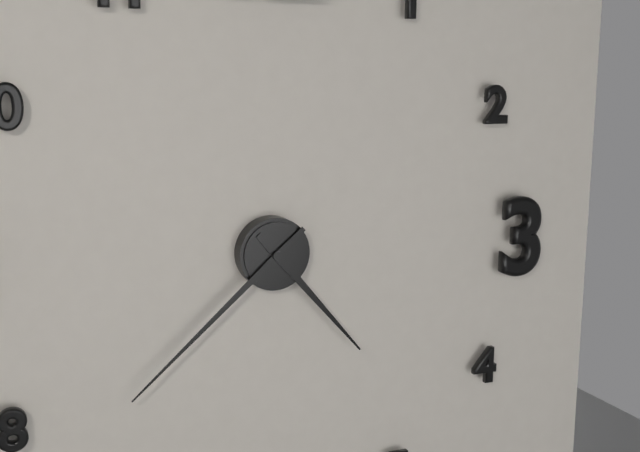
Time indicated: **4:38**
